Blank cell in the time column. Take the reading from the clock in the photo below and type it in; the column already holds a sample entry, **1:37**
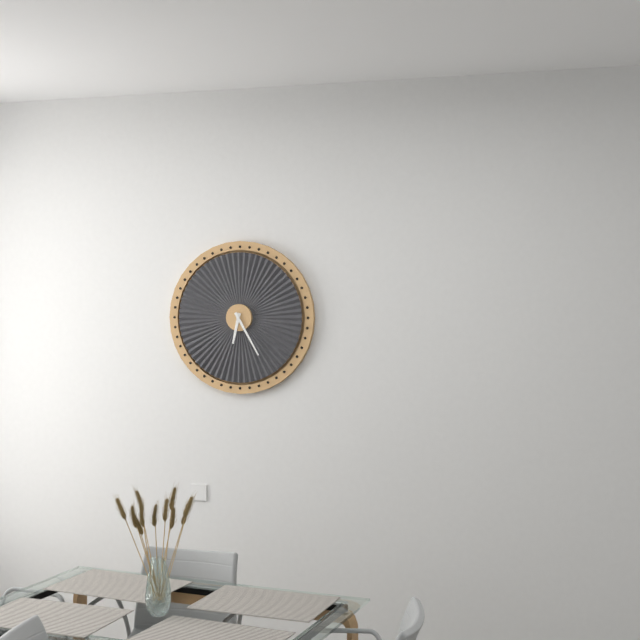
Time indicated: **6:25**
